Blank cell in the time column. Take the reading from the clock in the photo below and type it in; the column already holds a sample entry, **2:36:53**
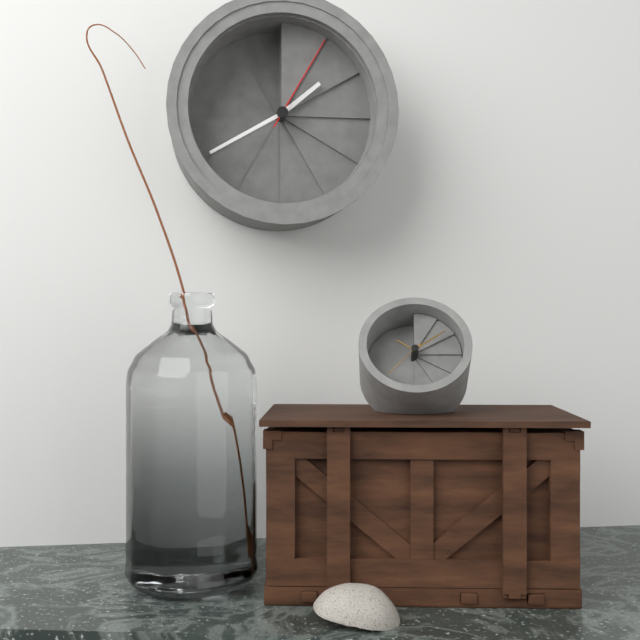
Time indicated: **1:40:05**
